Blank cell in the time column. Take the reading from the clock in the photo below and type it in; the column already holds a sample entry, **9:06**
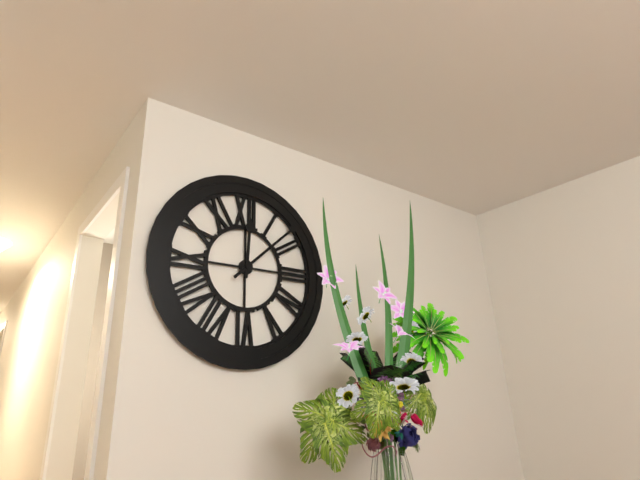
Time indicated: **12:08**
